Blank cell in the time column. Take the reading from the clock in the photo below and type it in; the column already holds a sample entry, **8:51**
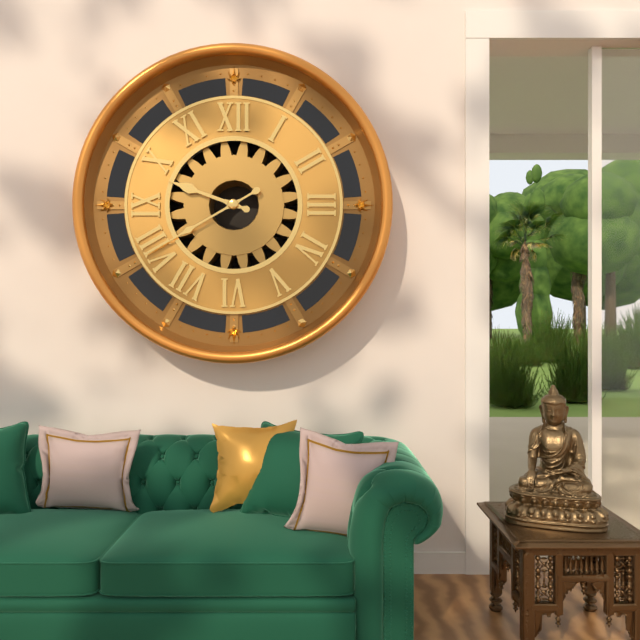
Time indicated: **9:40**
